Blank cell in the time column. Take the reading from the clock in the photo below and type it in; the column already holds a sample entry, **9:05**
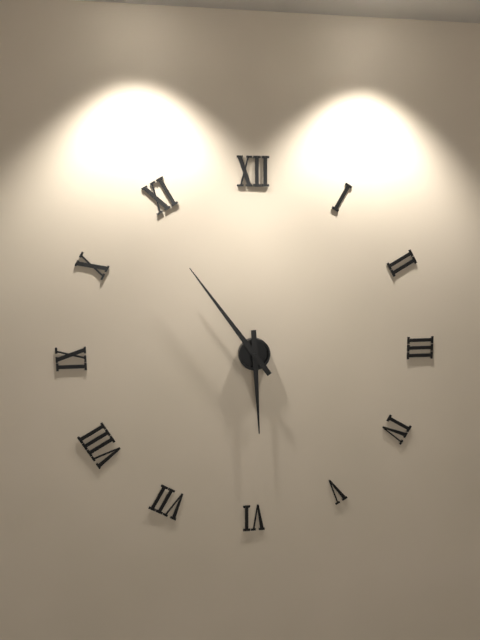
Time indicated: **5:54**
